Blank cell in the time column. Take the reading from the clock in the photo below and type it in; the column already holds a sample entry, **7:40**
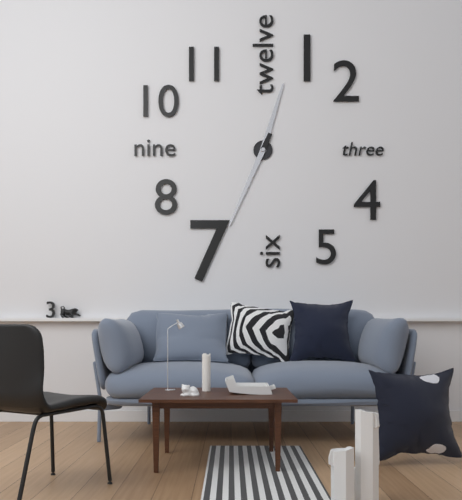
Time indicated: **12:34**
